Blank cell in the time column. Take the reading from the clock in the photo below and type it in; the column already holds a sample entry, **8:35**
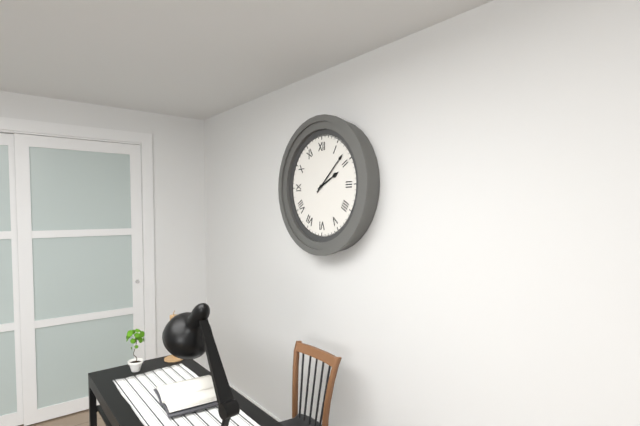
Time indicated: **2:08**
